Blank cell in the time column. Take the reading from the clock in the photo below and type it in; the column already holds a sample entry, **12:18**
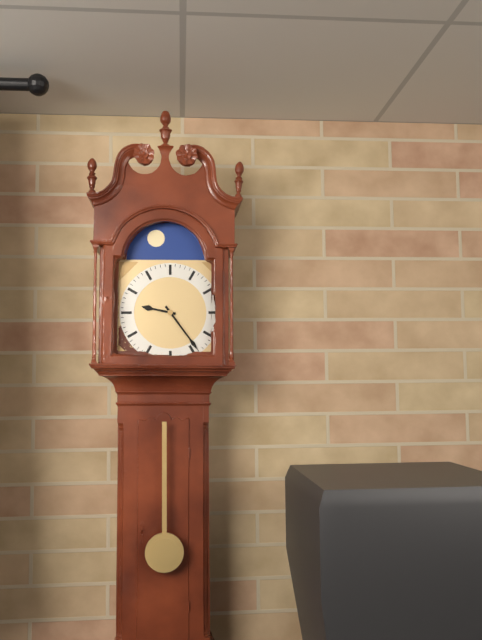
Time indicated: **9:24**
